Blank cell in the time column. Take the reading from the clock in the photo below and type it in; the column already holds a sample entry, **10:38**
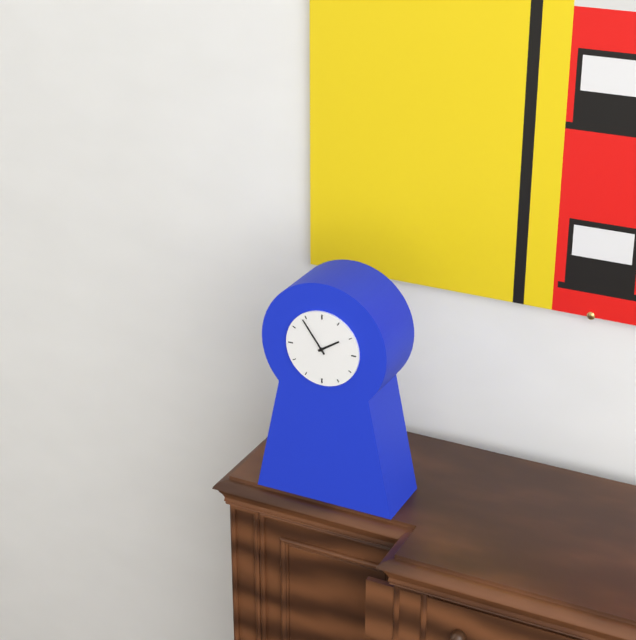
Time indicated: **1:54**
